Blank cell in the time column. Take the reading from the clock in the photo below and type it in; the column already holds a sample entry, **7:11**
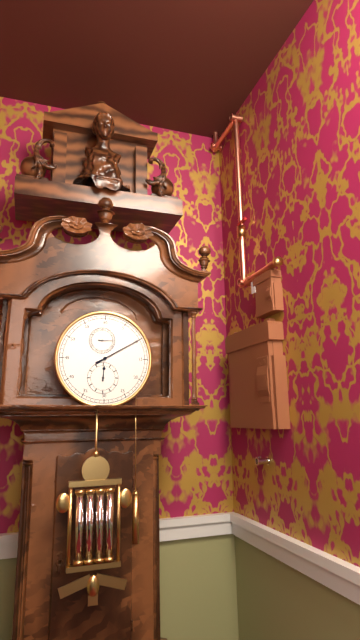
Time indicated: **12:10**
